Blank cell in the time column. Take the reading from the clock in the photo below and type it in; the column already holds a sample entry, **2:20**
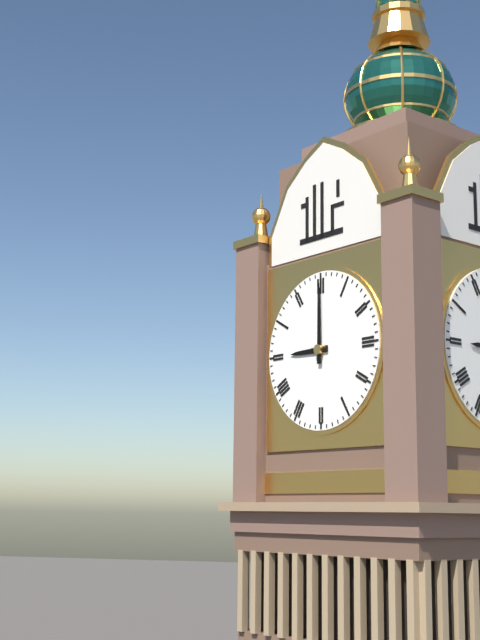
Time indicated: **9:00**
